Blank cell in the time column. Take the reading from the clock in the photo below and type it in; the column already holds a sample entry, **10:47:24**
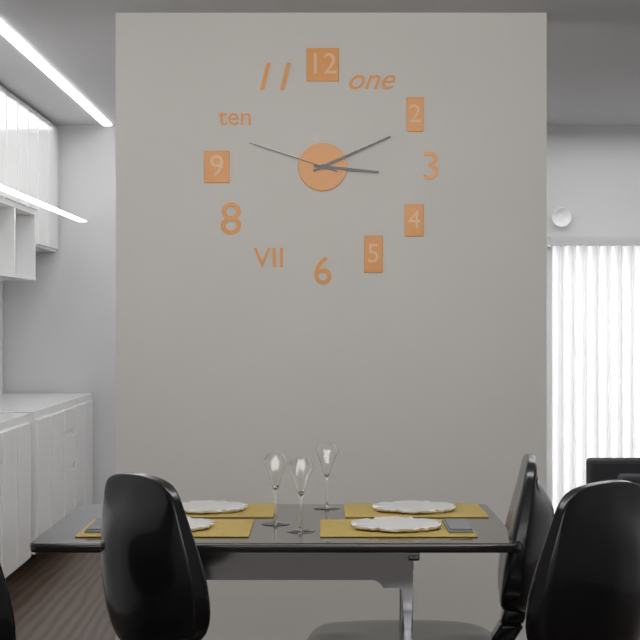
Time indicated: **3:11:48**
